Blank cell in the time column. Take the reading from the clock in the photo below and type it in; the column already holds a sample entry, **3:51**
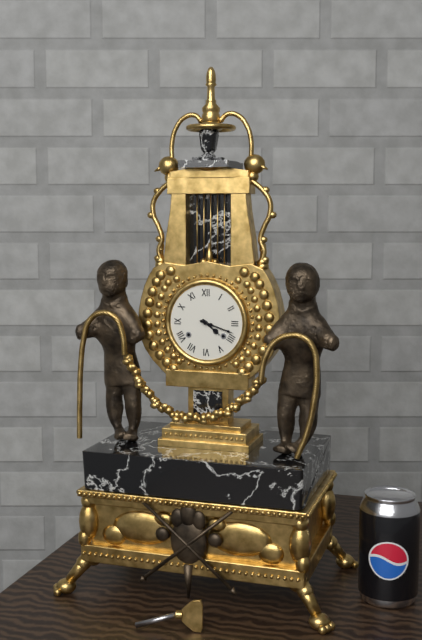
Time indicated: **4:18**
